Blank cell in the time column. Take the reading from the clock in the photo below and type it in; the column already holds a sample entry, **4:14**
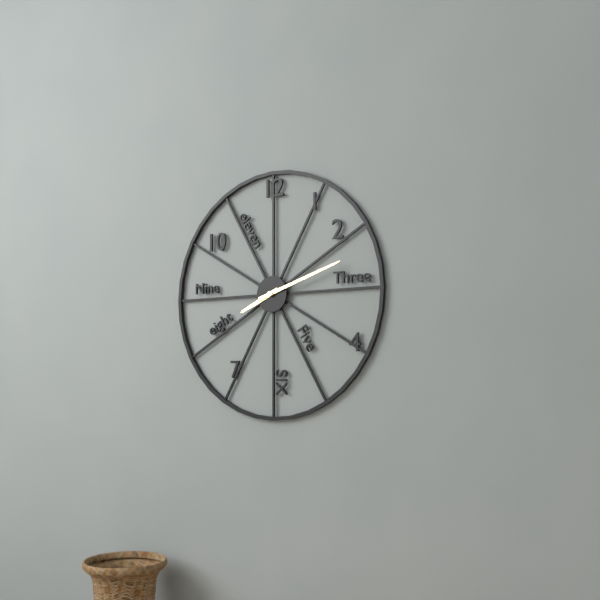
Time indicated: **8:12**
